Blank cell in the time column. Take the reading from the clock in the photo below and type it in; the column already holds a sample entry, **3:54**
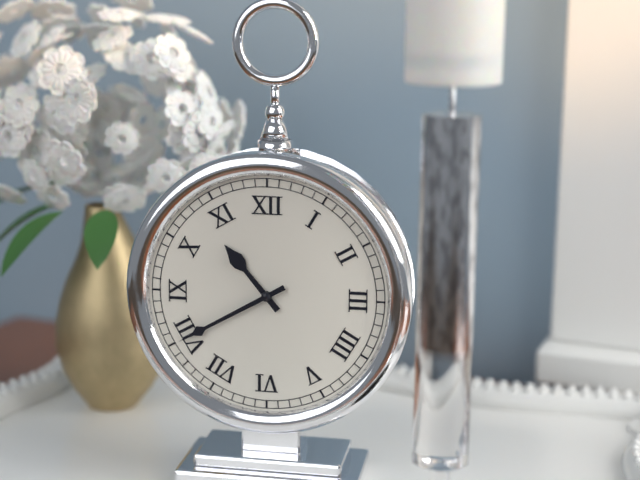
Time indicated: **10:40**
